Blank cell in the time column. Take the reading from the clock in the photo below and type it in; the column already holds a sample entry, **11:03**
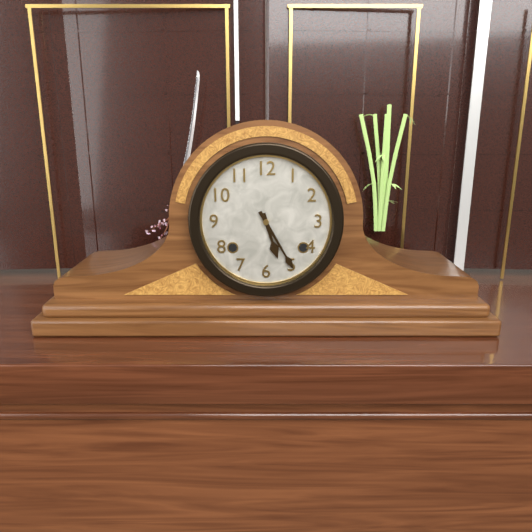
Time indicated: **5:25**
